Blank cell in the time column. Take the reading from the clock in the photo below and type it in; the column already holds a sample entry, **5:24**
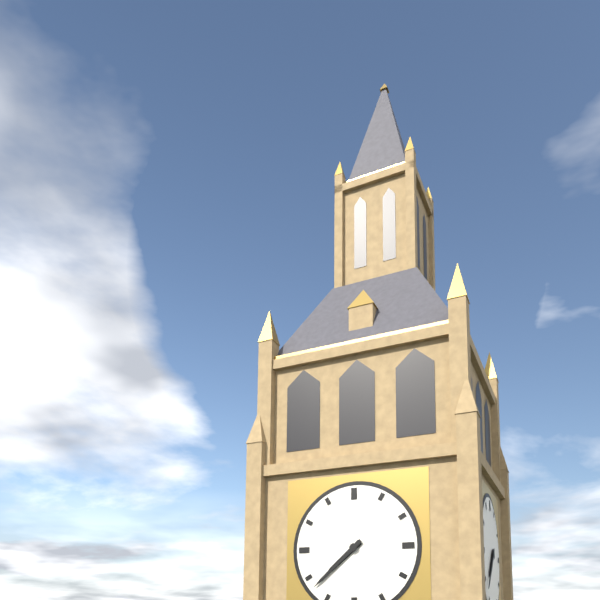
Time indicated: **7:38**
